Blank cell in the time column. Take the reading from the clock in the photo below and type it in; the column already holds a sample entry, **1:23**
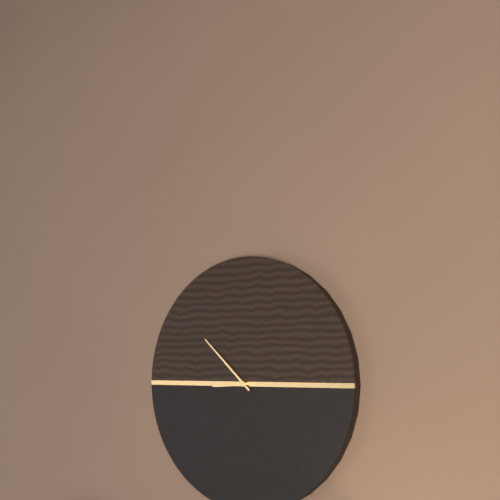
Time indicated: **8:52**
